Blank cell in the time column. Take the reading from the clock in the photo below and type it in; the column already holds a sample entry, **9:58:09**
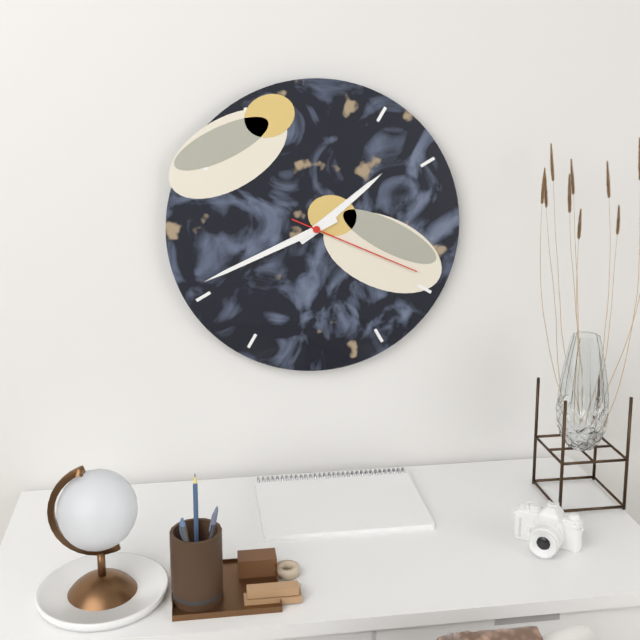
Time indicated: **1:41:19**
